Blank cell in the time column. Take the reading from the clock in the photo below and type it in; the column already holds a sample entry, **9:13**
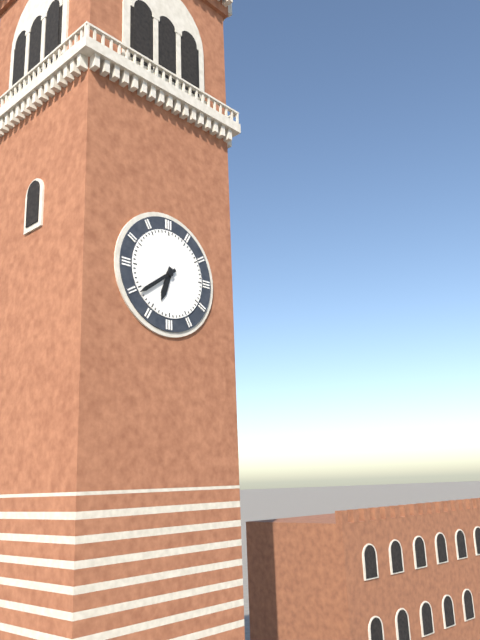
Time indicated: **6:39**
